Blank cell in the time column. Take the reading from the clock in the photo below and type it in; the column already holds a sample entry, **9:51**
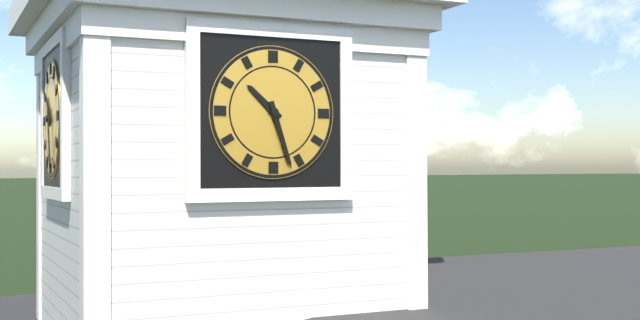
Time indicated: **10:27**
